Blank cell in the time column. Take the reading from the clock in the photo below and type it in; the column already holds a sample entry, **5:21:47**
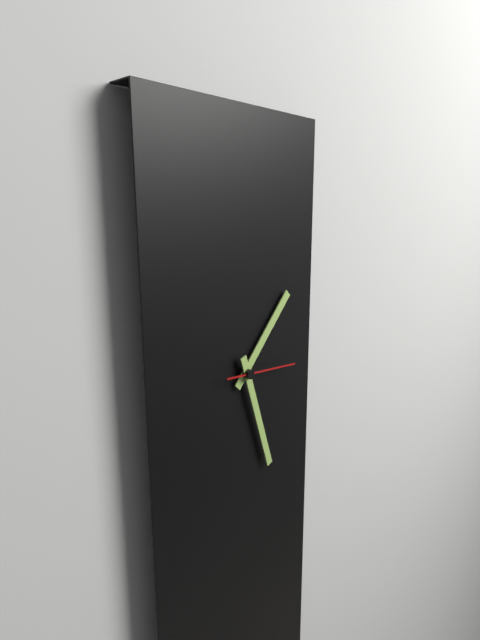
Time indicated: **1:27:16**
